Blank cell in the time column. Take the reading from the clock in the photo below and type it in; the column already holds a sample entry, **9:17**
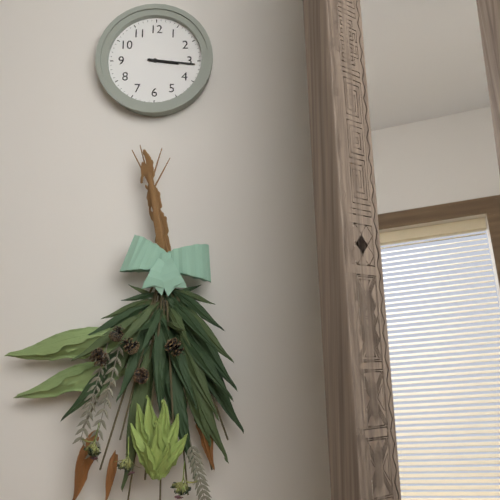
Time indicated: **3:16**
